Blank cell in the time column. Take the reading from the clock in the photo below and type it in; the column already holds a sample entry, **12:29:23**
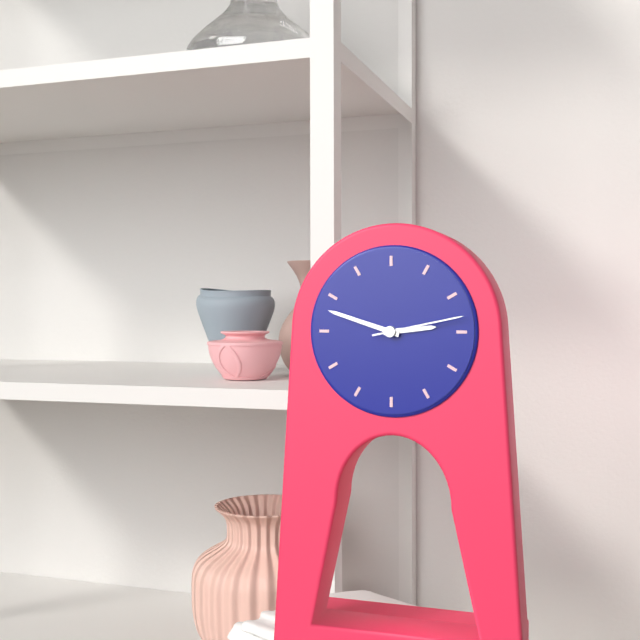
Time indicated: **2:48:13**
